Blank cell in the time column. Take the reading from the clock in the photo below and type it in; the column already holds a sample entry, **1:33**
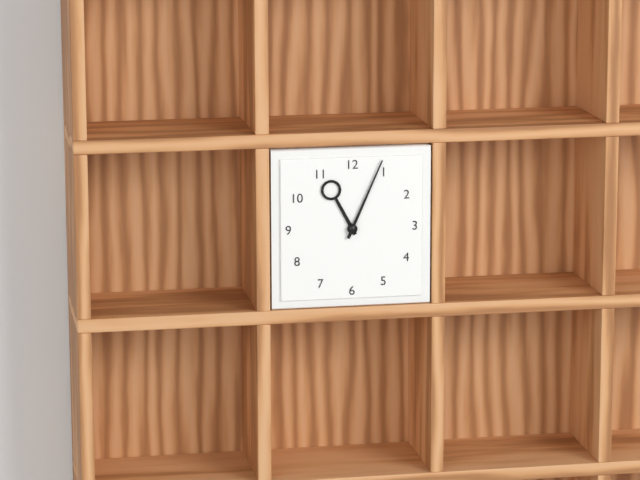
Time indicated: **11:04**
